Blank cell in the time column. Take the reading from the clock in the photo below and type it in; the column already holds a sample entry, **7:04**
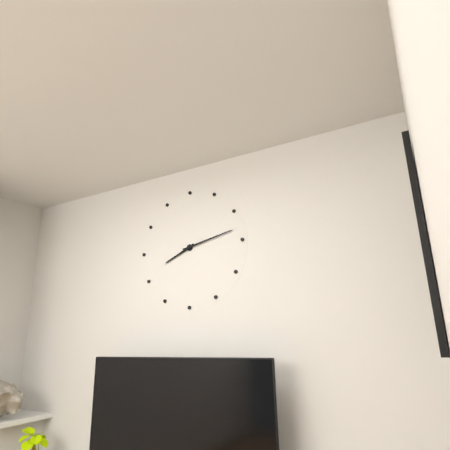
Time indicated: **8:13**
